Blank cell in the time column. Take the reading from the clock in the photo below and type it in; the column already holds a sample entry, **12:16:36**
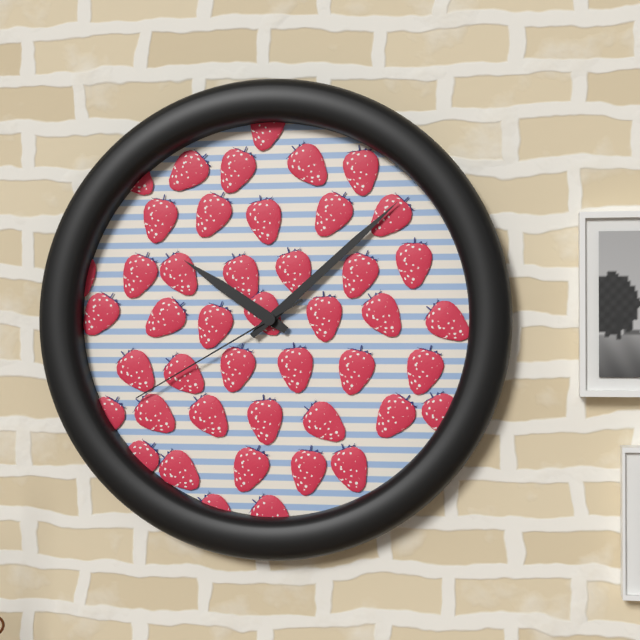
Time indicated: **10:08:40**
